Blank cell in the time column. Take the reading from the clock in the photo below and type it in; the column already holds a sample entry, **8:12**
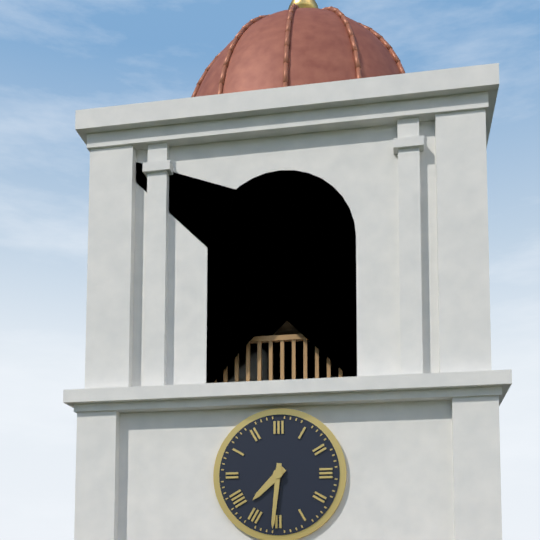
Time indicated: **7:31**
